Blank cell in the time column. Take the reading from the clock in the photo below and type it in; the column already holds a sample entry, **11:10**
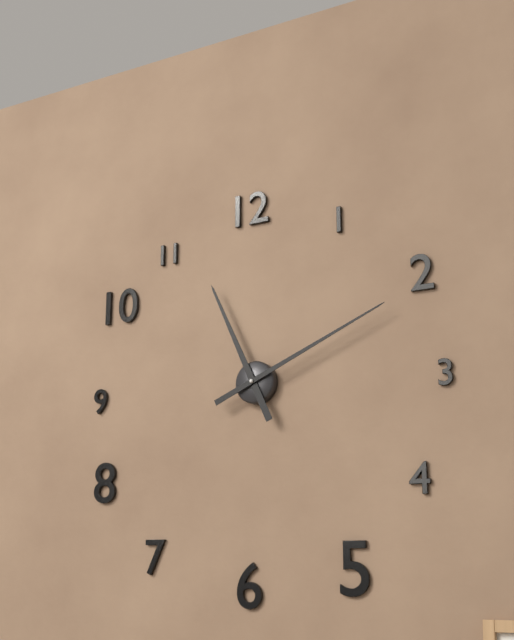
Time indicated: **11:11**
